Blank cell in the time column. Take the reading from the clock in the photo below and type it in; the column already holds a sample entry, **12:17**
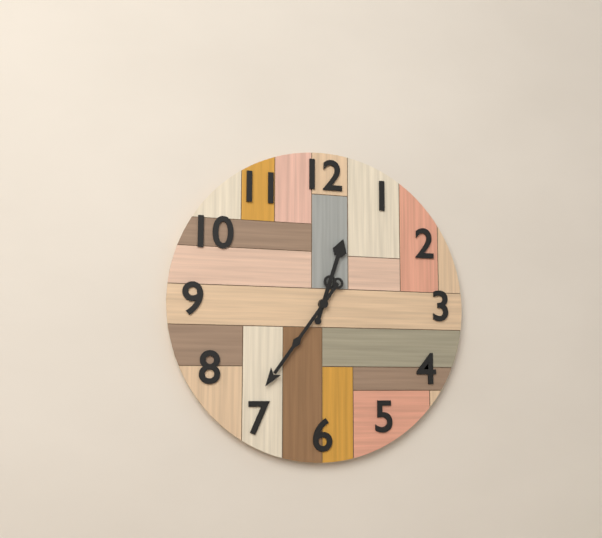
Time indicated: **12:36**
